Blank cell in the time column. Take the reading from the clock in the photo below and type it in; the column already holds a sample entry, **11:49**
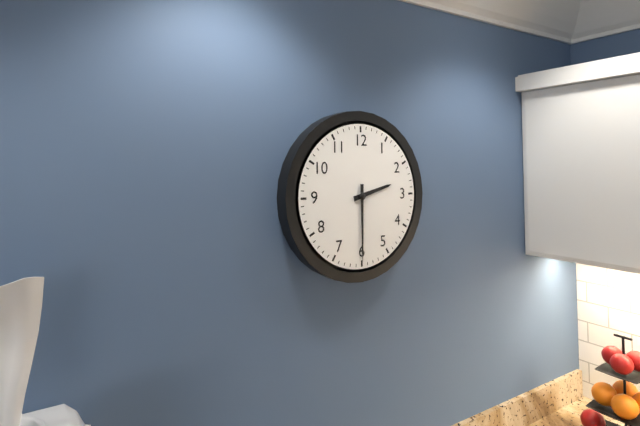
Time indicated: **2:30**
